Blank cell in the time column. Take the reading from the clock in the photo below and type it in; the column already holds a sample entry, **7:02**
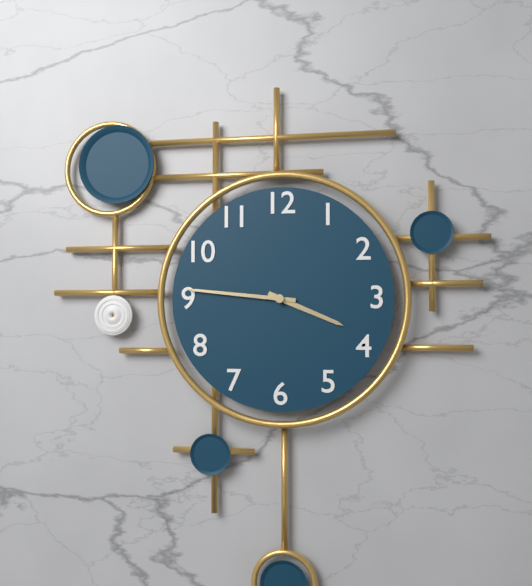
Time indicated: **3:46**
